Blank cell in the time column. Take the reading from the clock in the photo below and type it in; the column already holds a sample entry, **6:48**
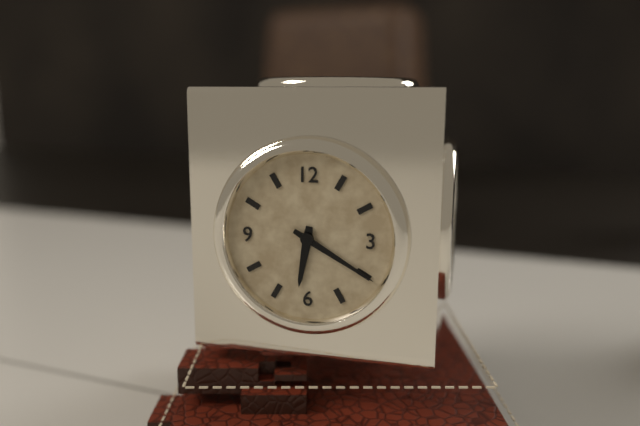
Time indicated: **6:20**
